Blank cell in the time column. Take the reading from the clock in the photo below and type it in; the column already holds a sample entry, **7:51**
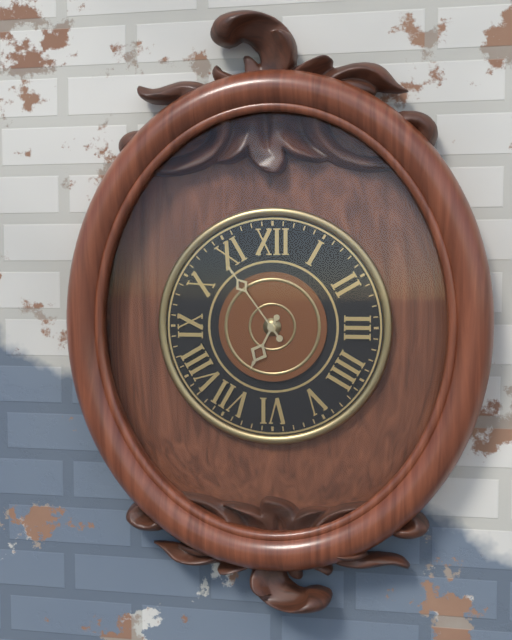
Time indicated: **6:54**
